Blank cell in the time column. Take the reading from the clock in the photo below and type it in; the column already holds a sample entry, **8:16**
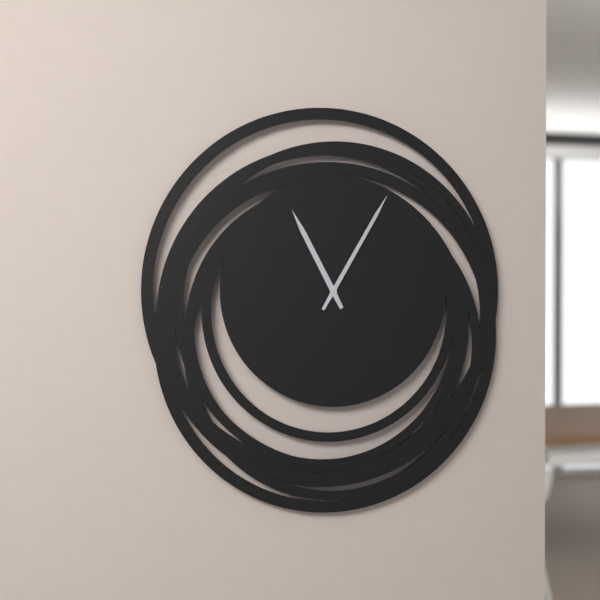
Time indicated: **11:05**
